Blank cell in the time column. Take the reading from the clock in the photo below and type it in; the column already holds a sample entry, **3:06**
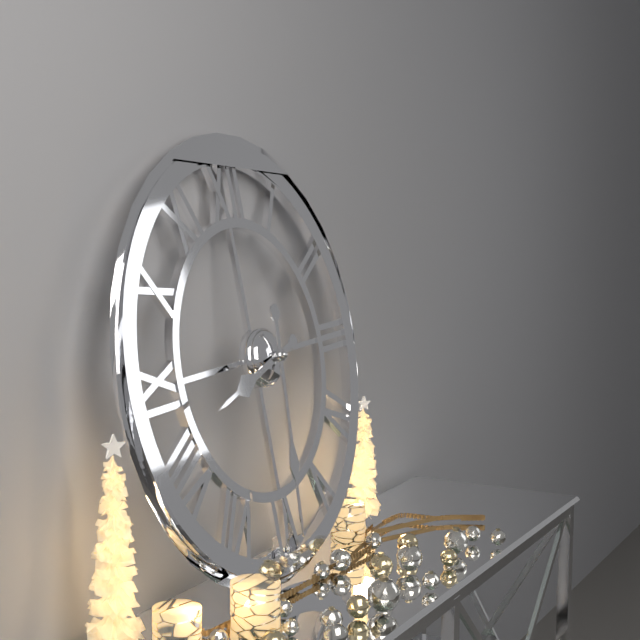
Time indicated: **8:31**
